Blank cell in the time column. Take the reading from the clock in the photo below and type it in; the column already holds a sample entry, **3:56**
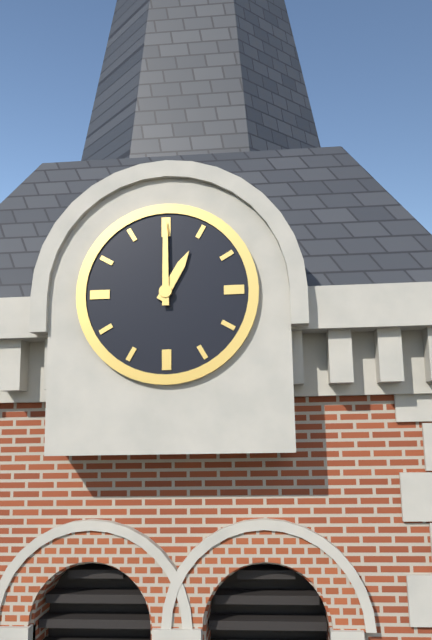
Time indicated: **1:00**
